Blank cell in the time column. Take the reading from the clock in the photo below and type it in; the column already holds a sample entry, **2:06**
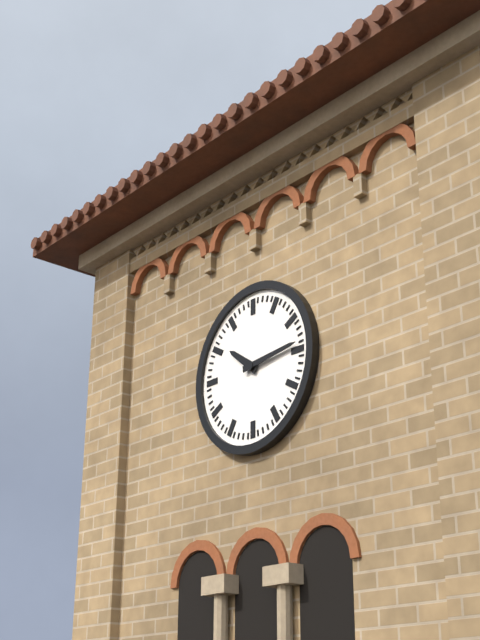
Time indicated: **10:14**
